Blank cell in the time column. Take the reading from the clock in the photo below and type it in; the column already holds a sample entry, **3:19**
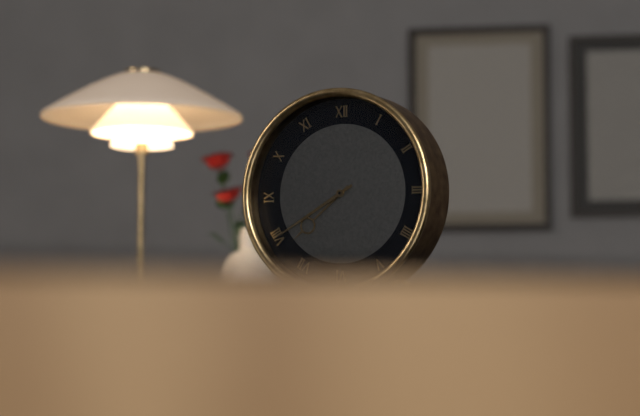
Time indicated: **7:40**
